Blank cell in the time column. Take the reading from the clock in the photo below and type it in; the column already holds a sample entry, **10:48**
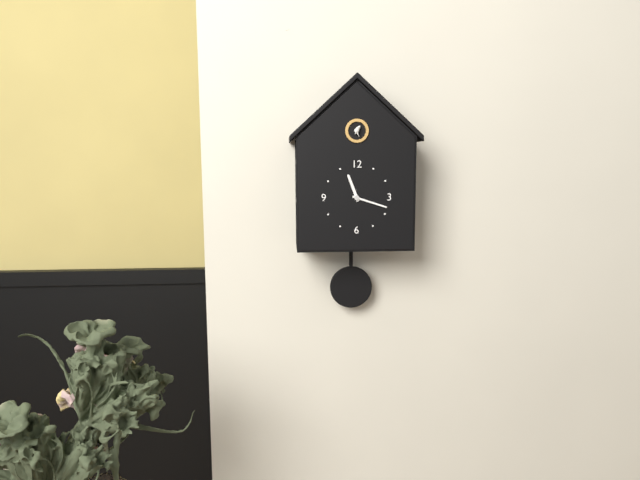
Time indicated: **11:18**
